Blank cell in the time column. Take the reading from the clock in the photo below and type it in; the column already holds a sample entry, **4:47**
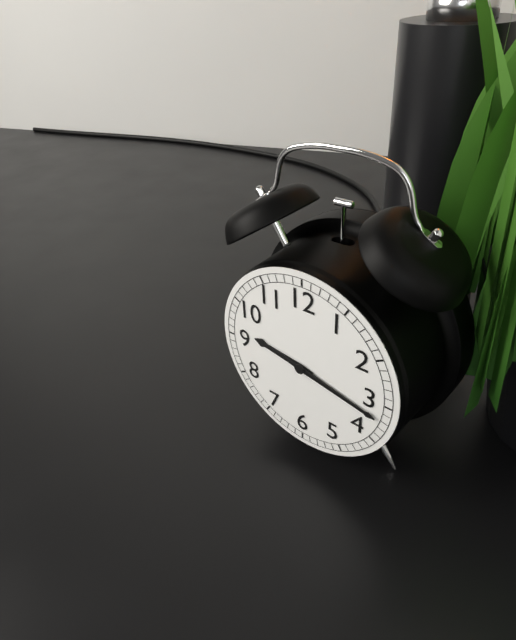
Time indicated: **9:17**
